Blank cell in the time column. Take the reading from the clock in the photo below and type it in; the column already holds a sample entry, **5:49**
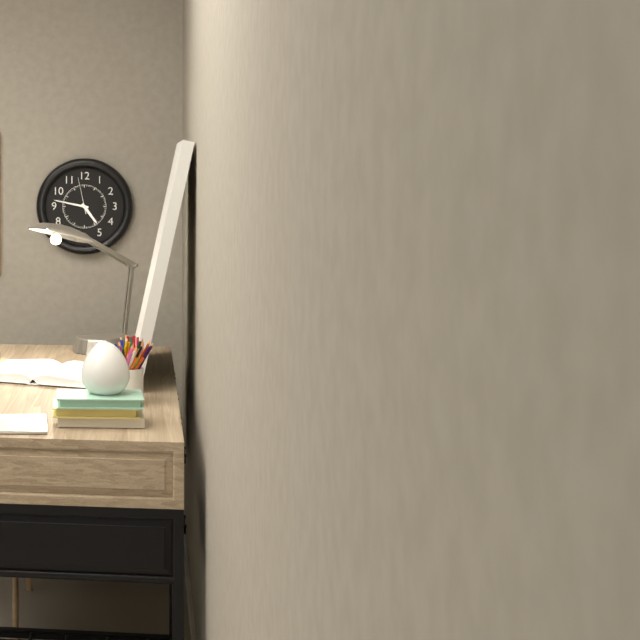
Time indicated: **4:47**
